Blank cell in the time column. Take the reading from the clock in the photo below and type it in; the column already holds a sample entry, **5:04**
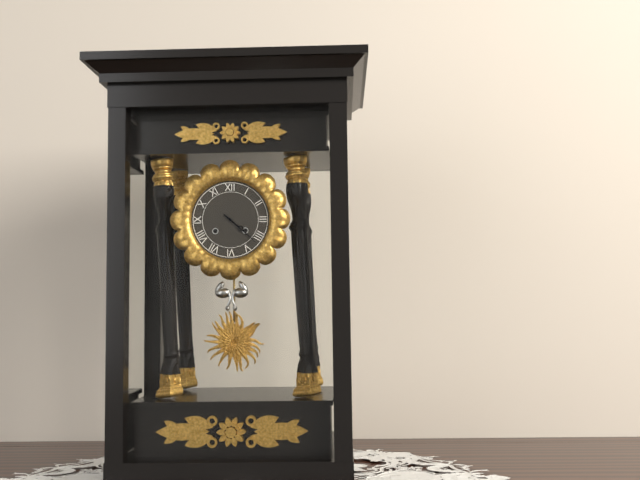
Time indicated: **4:22**
